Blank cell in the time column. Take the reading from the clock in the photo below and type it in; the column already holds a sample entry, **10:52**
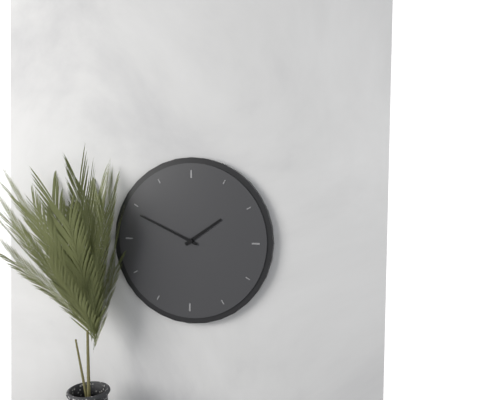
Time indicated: **1:49**
